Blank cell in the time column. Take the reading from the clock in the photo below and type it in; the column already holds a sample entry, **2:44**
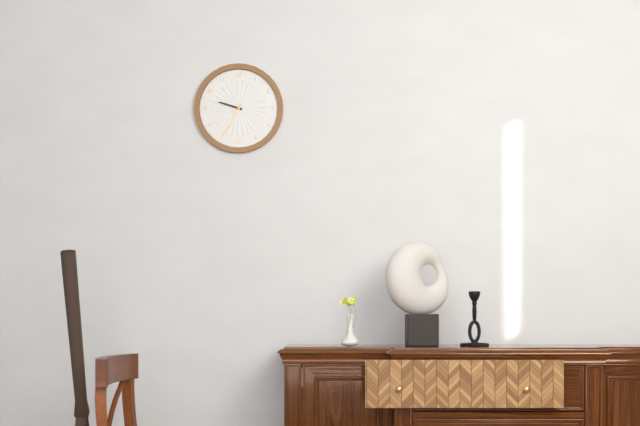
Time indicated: **9:35**
